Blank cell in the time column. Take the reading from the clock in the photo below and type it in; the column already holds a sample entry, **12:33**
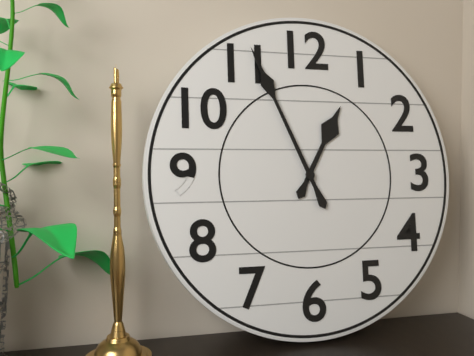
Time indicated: **12:56**
